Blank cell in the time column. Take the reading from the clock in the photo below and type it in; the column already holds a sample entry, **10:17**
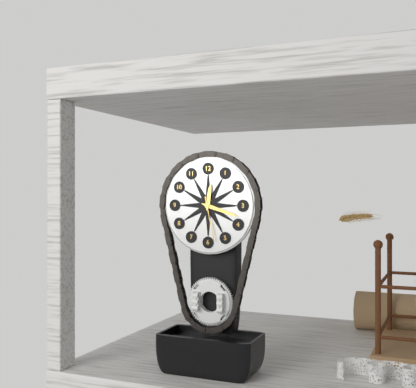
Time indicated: **12:18**
